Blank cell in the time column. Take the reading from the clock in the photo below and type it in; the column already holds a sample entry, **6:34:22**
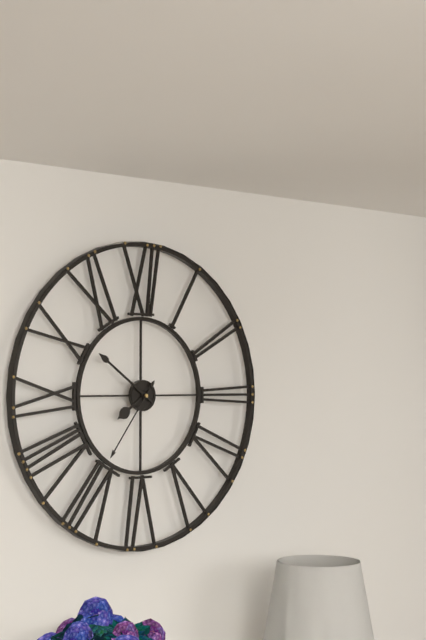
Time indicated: **7:51:36**
